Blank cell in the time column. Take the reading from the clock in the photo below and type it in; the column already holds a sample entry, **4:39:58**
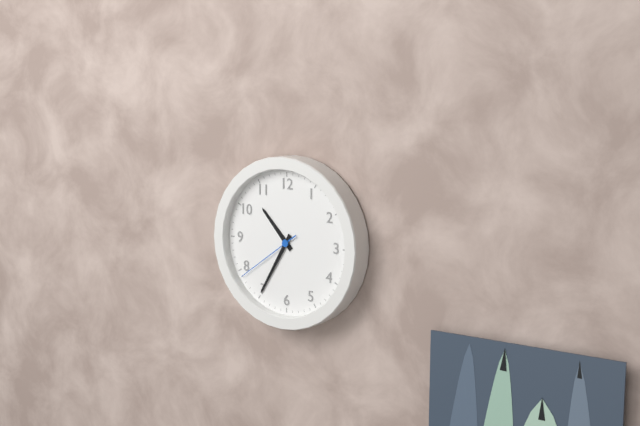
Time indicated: **10:35:39**
